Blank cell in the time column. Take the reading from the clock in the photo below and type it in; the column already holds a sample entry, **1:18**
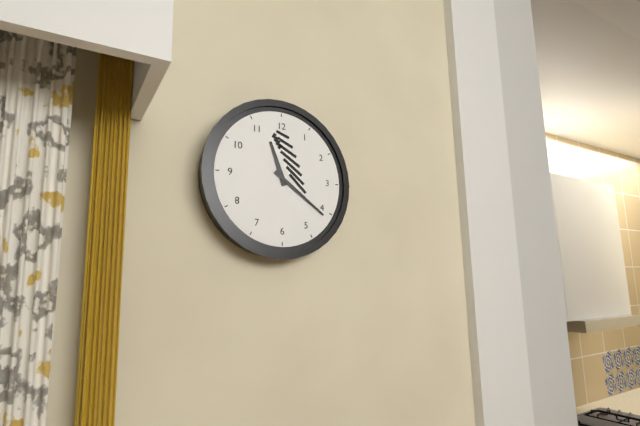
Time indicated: **11:21**
